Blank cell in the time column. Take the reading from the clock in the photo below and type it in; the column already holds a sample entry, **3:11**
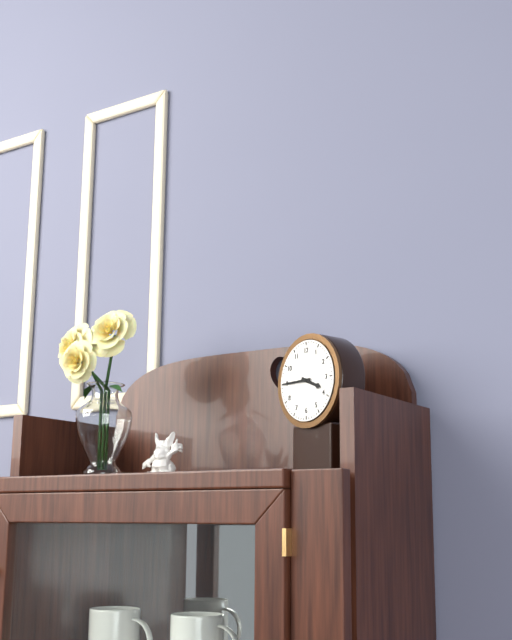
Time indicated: **3:45**
